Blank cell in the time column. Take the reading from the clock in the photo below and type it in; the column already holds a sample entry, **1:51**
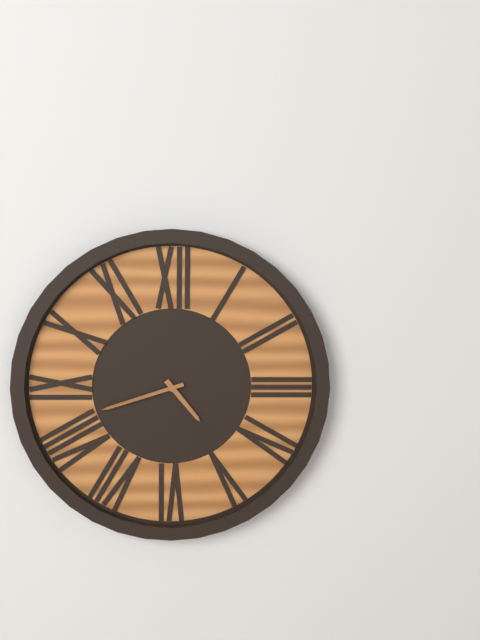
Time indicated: **4:42**
